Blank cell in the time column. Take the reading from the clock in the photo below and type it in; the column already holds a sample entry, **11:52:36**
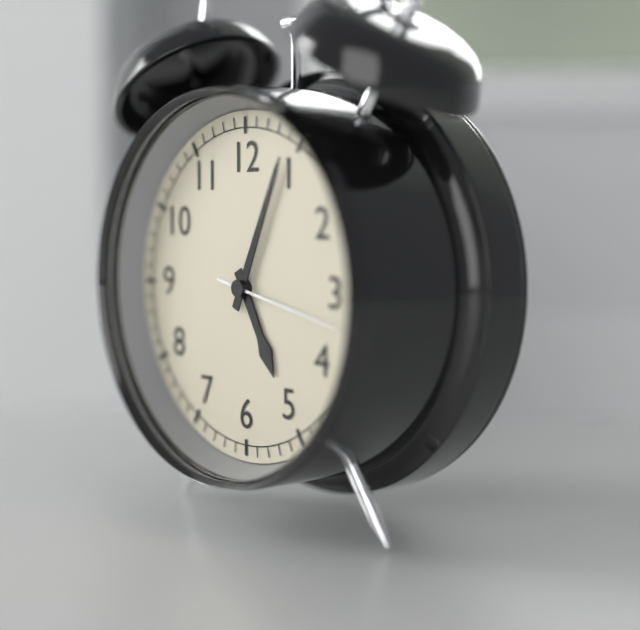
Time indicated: **5:04:17**
